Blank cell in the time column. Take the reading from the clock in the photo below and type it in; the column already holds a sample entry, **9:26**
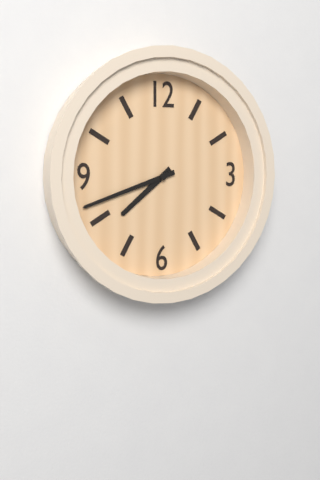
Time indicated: **7:42**
